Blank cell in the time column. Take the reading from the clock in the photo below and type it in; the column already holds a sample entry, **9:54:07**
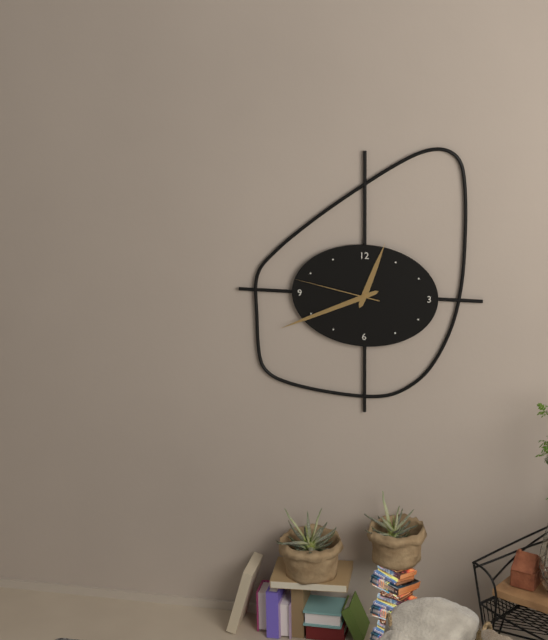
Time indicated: **12:41:47**
